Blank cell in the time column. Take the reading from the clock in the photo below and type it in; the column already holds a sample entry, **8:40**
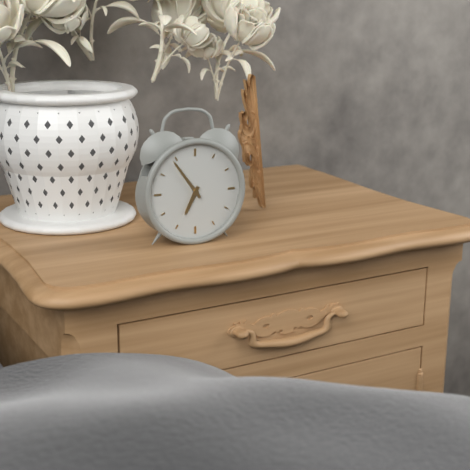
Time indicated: **6:54**
